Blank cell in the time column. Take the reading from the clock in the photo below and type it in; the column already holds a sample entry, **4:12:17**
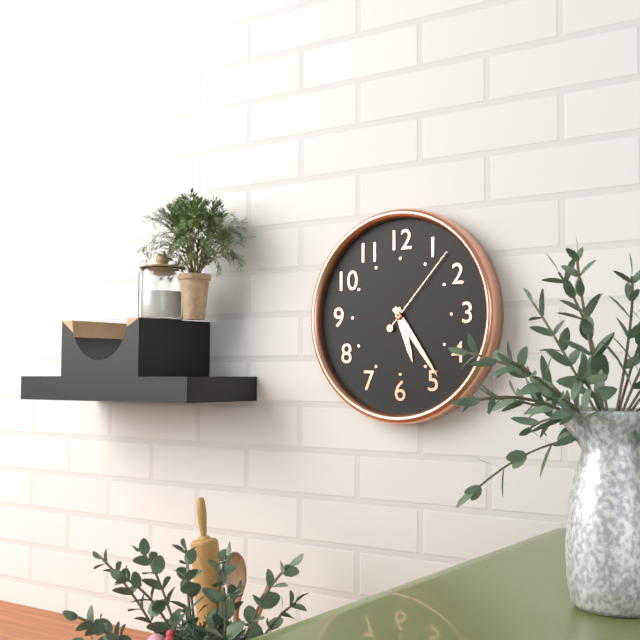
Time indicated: **5:24:07**
